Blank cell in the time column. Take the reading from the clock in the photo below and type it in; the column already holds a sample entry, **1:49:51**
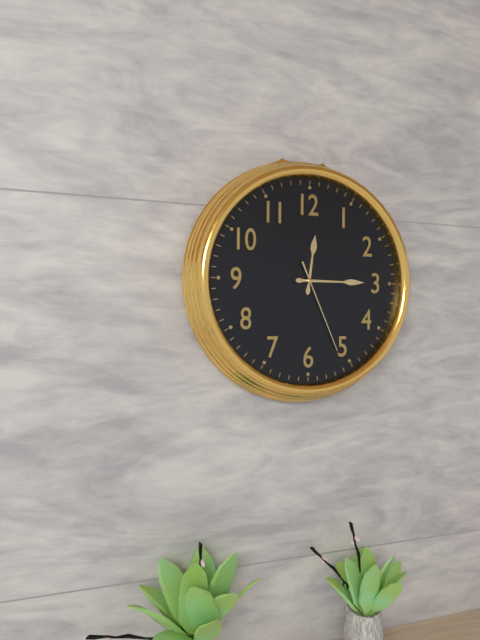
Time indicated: **12:15:26**
